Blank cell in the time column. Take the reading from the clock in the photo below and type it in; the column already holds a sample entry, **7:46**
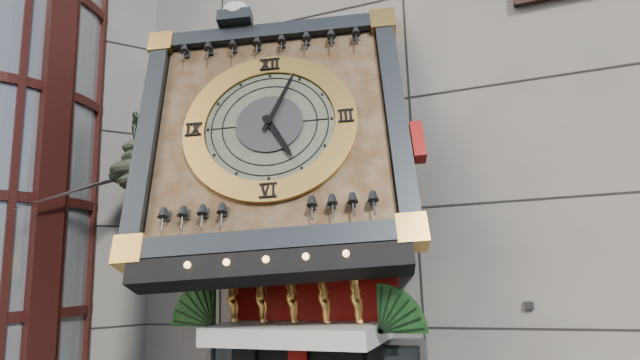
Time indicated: **5:04**
